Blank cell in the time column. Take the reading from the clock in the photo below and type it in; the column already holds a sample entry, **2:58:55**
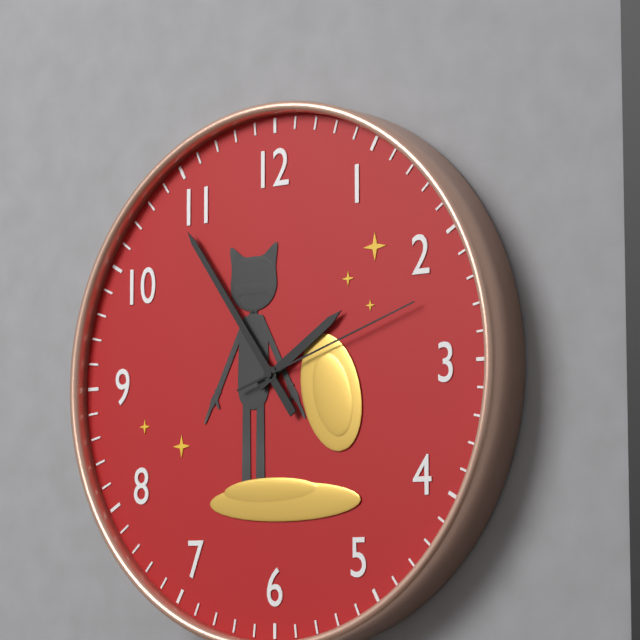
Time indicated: **1:54:12**
